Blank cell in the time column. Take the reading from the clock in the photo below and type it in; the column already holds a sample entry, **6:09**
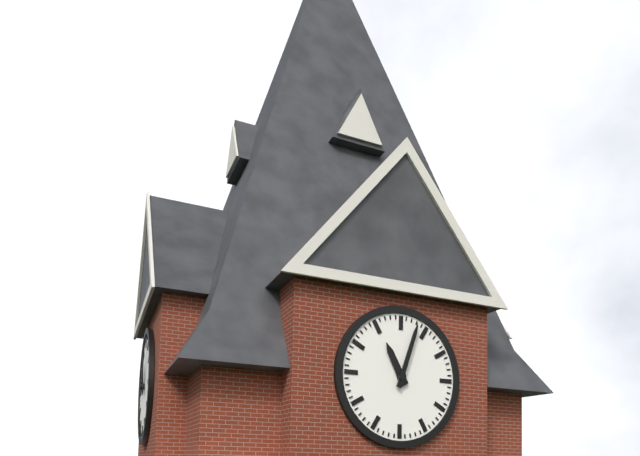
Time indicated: **11:03**
